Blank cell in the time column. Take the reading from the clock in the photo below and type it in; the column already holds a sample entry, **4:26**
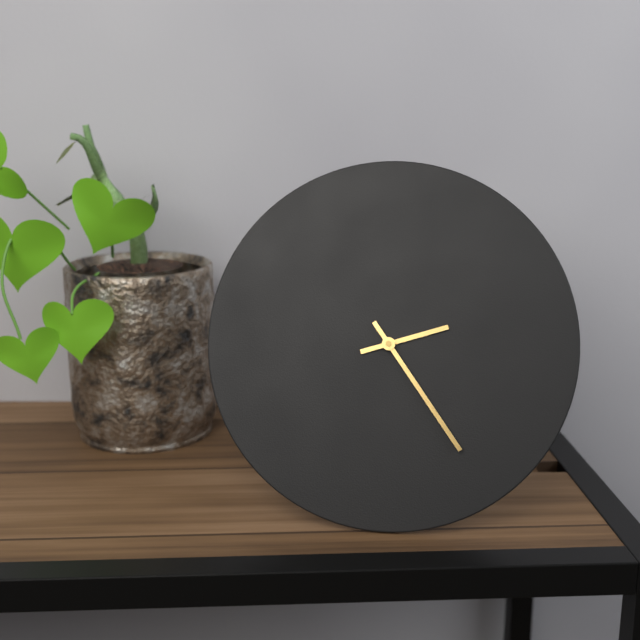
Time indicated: **2:24**
